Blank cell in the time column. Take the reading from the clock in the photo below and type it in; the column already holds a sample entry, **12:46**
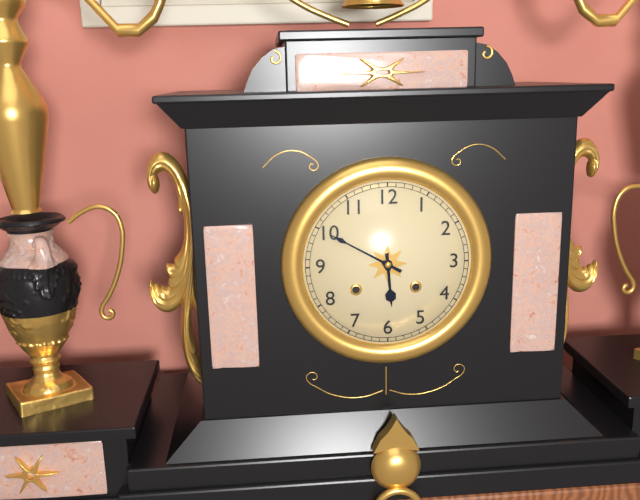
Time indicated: **5:50**
